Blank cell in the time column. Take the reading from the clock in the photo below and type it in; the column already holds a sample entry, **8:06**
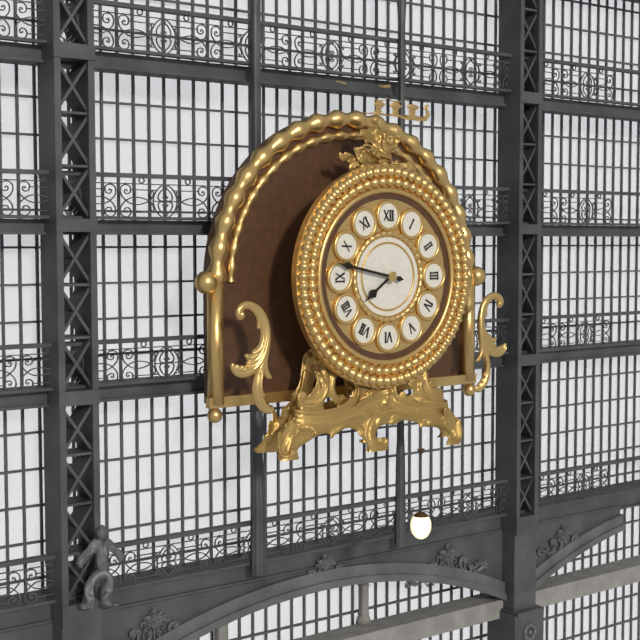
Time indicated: **7:47**
